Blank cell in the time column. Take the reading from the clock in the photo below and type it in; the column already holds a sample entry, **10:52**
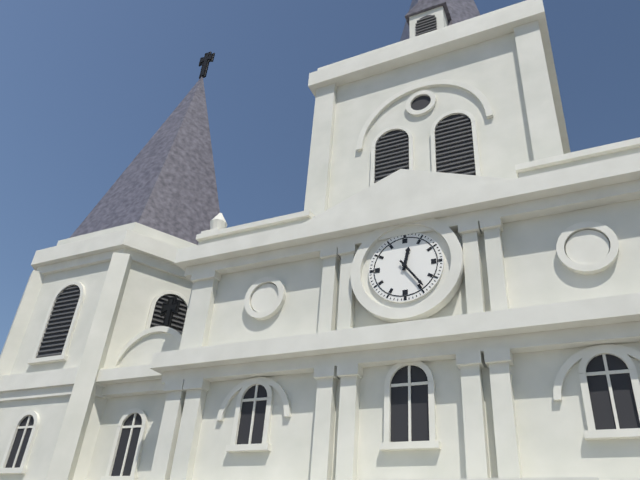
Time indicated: **12:24**
